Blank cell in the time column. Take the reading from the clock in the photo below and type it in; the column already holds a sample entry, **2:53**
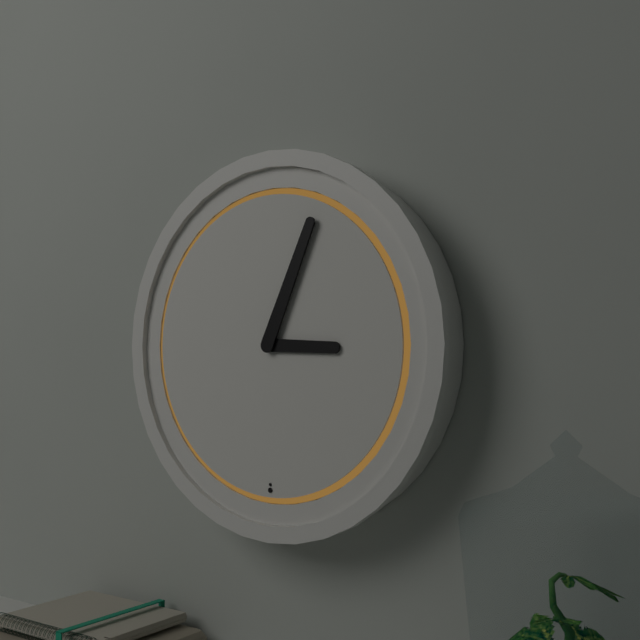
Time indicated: **3:04**
